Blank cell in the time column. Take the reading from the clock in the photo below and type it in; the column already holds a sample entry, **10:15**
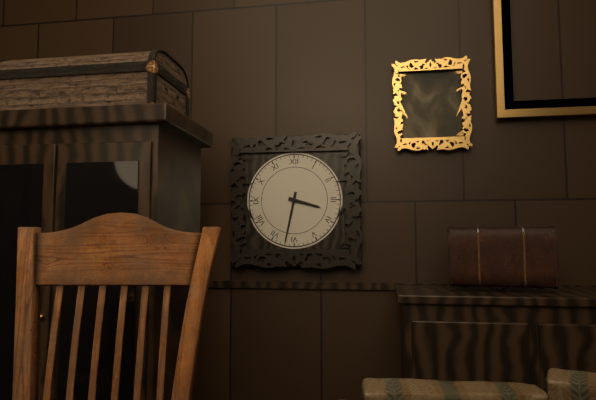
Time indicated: **3:32**
